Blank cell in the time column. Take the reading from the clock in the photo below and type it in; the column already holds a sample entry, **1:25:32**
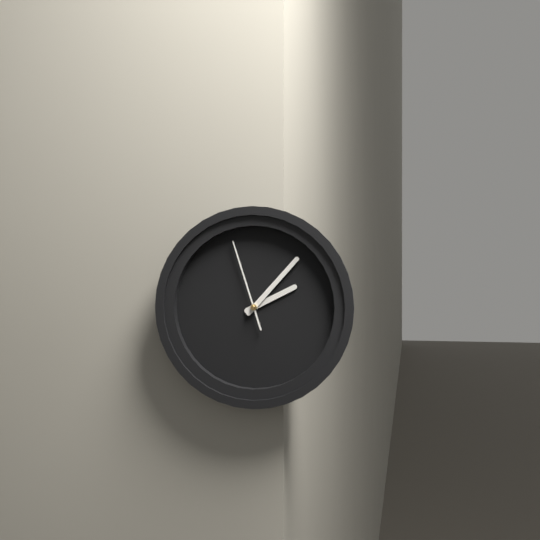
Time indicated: **2:07:57**
